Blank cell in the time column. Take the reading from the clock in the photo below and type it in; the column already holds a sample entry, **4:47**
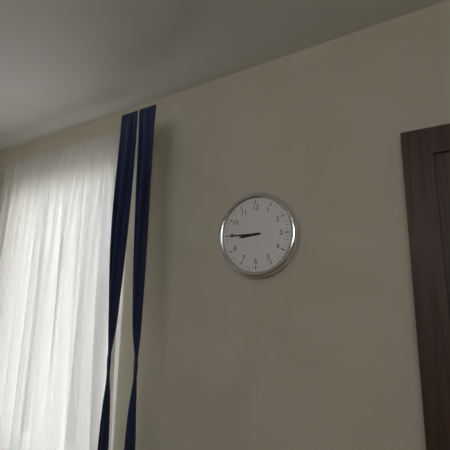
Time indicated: **8:45**
